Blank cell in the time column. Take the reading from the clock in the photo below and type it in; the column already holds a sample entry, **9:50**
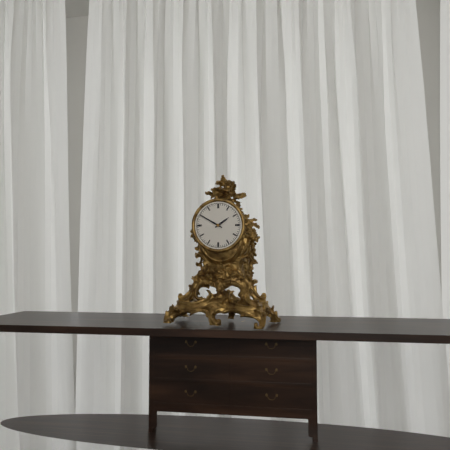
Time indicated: **1:50**
